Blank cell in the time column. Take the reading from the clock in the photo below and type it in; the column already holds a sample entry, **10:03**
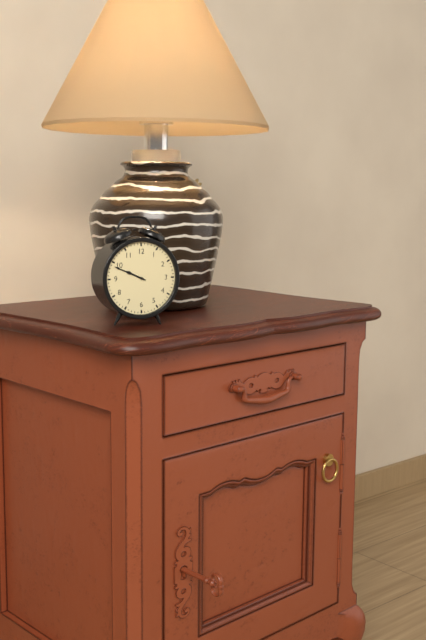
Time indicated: **9:49**
